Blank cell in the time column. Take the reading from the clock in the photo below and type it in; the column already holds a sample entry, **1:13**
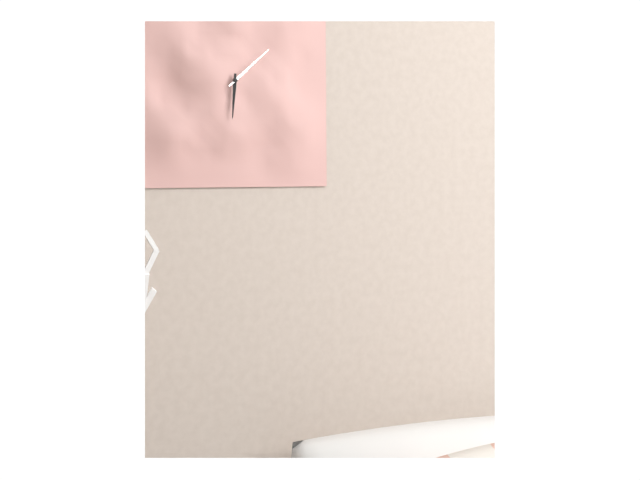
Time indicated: **6:08**
